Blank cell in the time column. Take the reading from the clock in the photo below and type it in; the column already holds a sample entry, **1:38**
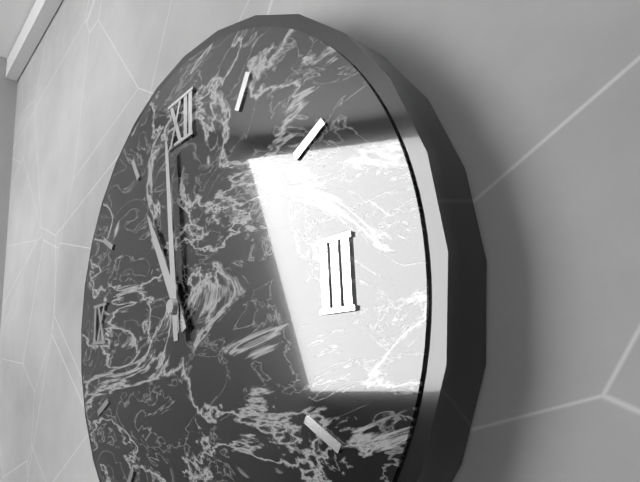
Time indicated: **10:59**
